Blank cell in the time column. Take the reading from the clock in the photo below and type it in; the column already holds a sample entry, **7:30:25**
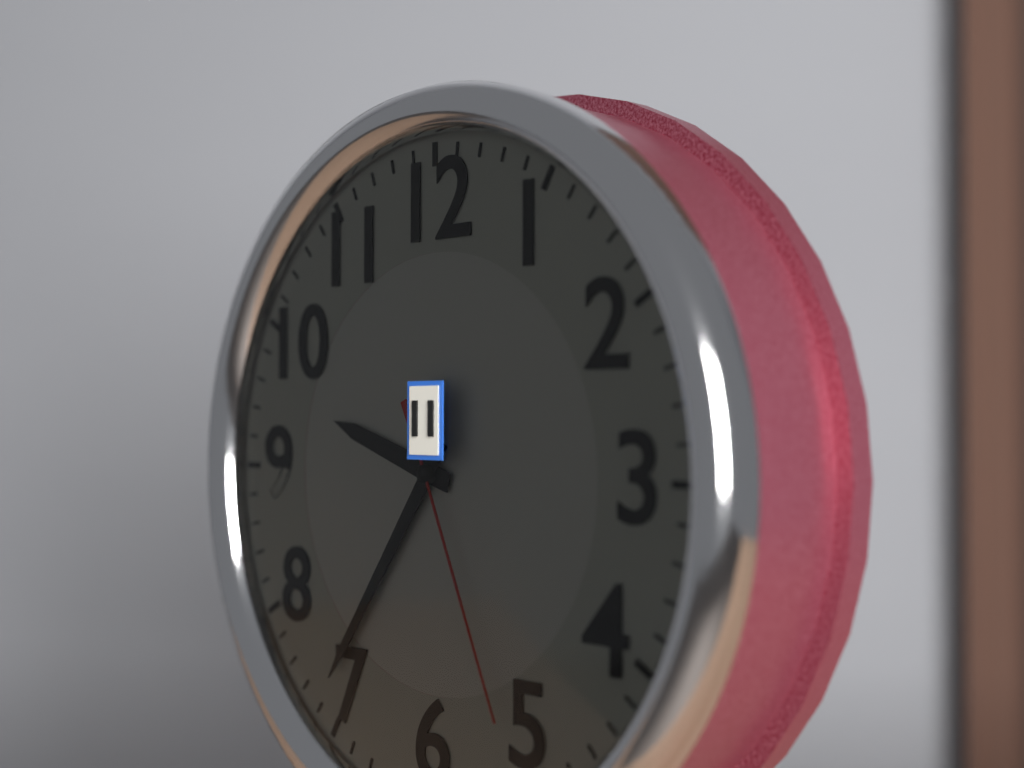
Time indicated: **9:36:26**
